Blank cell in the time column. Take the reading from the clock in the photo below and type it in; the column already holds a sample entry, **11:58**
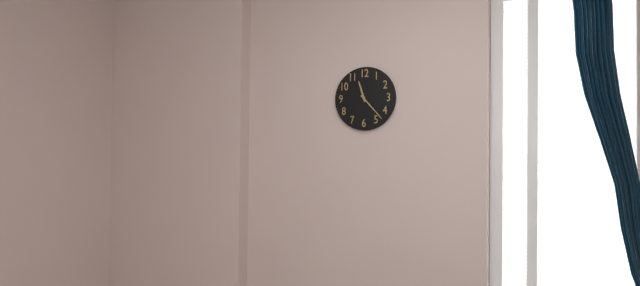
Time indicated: **11:23**
